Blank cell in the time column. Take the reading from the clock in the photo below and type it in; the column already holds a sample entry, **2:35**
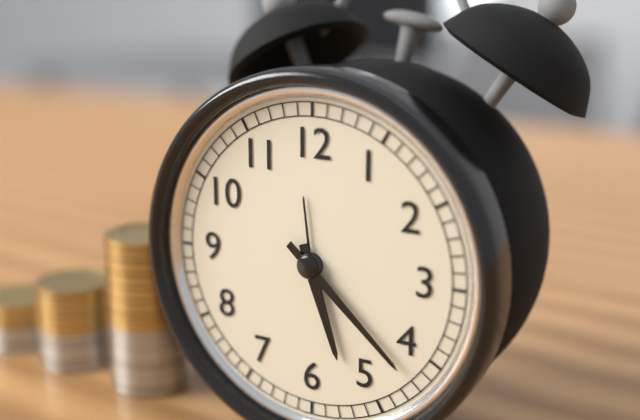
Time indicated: **5:22**
